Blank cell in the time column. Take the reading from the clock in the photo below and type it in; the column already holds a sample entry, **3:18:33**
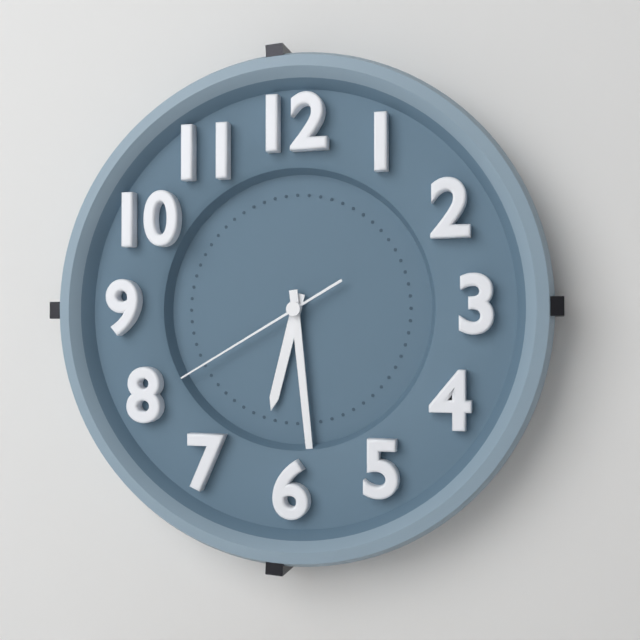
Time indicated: **6:29:40**
